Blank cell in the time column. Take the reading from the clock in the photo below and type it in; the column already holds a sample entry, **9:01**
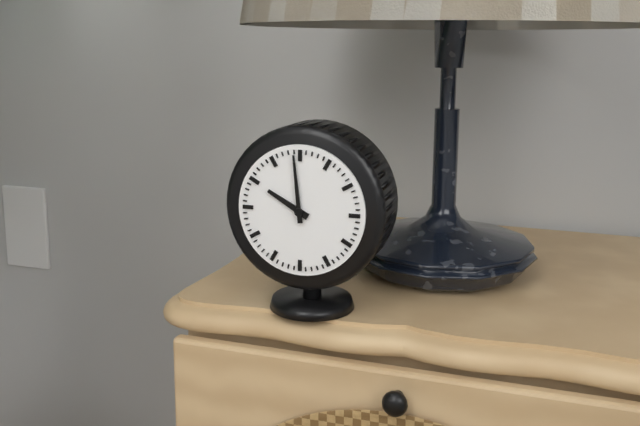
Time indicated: **9:59**
